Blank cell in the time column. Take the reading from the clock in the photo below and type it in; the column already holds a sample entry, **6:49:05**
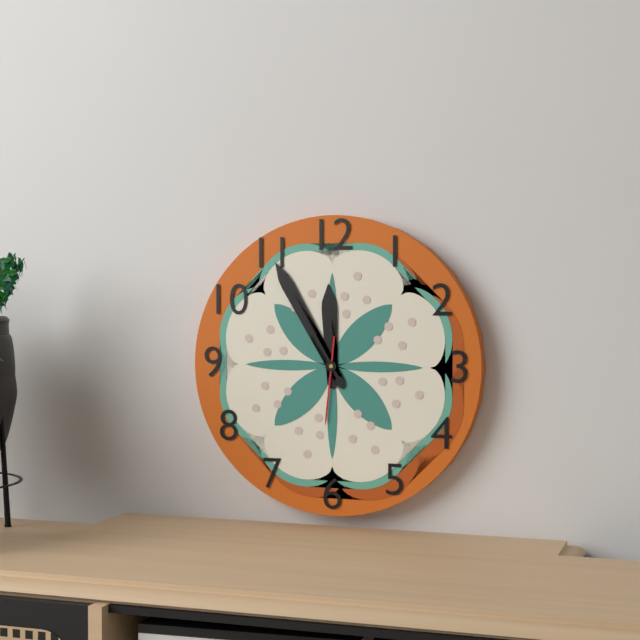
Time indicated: **11:55:31**
